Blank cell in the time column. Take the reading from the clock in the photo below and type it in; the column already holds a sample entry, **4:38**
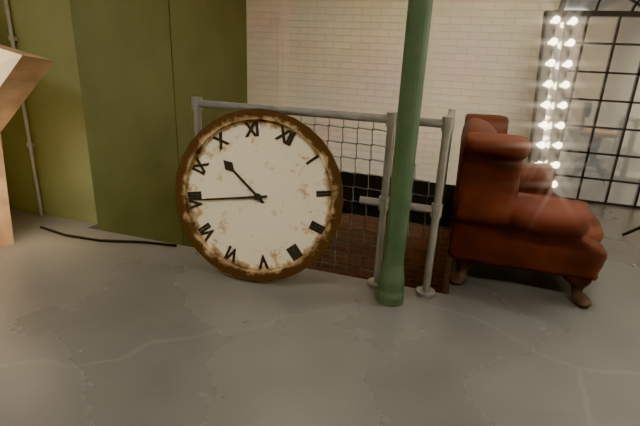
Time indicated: **9:40**
